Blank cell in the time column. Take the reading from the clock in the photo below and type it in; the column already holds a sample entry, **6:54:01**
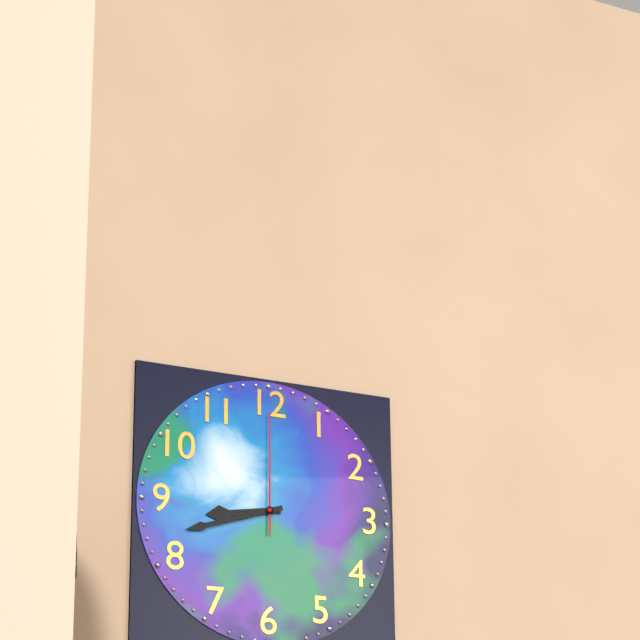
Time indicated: **8:42:00**
